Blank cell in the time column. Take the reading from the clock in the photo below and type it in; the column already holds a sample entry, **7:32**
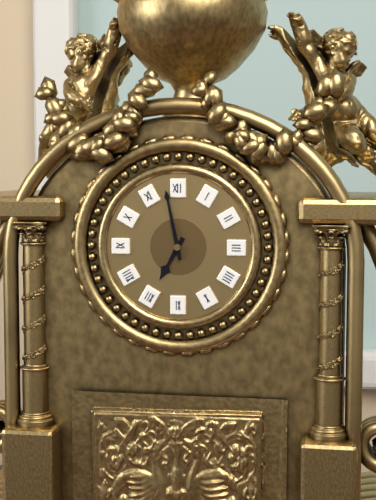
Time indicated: **6:58**
